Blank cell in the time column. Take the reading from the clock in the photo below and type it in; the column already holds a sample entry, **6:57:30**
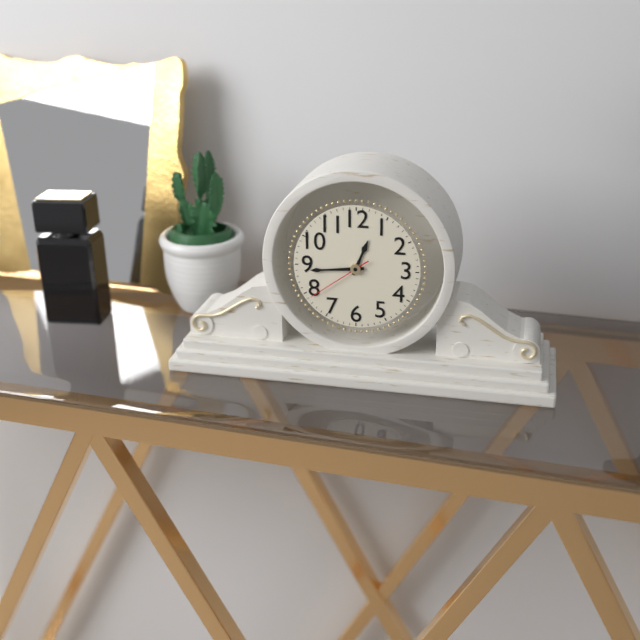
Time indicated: **12:44:39**
